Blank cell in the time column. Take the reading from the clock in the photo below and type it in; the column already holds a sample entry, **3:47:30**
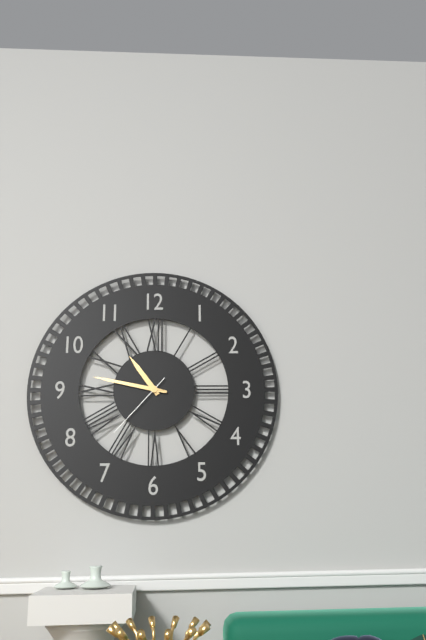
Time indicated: **10:47:37**
